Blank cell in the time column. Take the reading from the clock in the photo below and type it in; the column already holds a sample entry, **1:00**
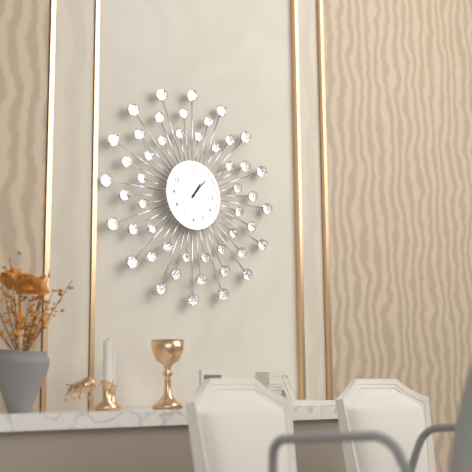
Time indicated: **1:07**
